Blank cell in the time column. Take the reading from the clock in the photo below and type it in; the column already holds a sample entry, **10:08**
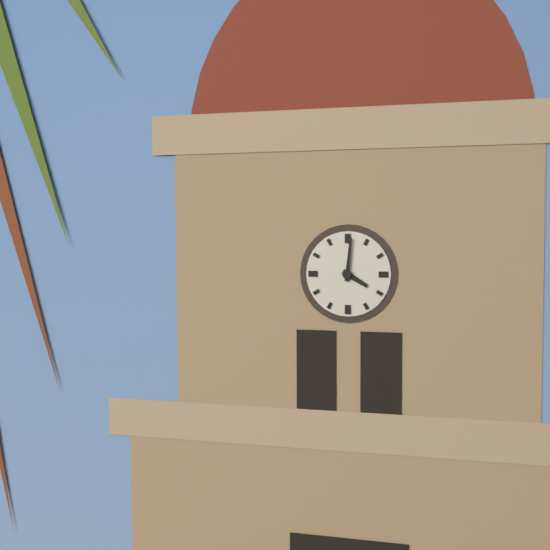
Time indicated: **4:01**
